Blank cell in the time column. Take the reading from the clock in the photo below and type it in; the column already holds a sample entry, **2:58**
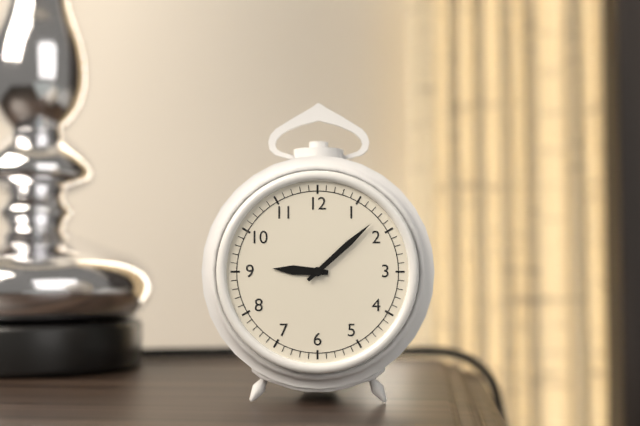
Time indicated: **9:08**
